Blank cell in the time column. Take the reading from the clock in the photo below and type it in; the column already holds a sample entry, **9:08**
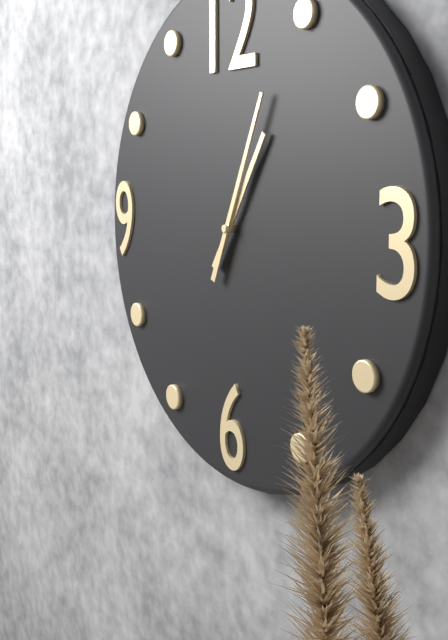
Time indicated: **1:04**
